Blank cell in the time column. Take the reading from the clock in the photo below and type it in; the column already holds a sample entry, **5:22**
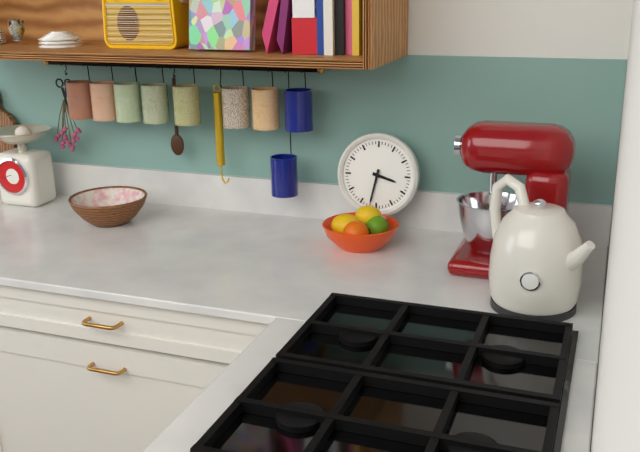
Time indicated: **3:32**
